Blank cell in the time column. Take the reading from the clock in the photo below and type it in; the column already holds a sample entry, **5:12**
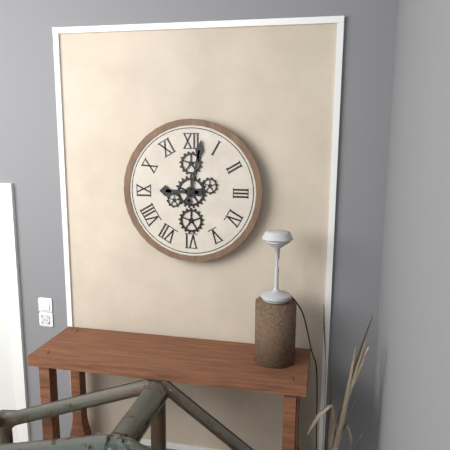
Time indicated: **9:02**
